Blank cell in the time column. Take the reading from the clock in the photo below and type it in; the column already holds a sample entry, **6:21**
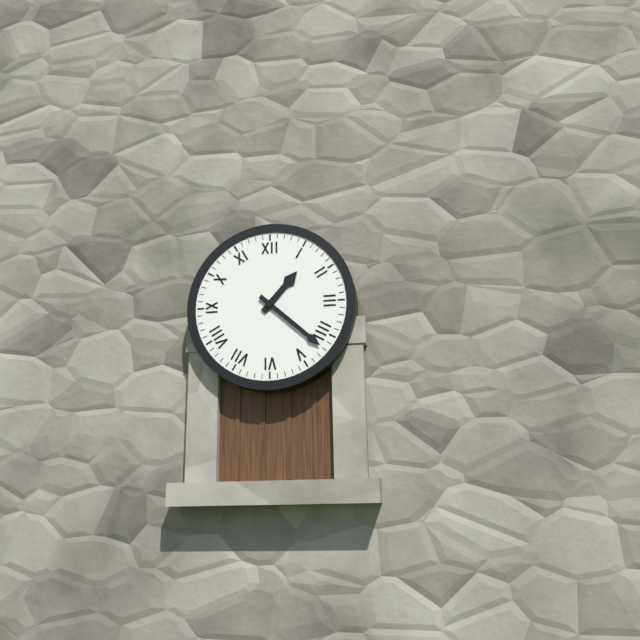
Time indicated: **1:22**
